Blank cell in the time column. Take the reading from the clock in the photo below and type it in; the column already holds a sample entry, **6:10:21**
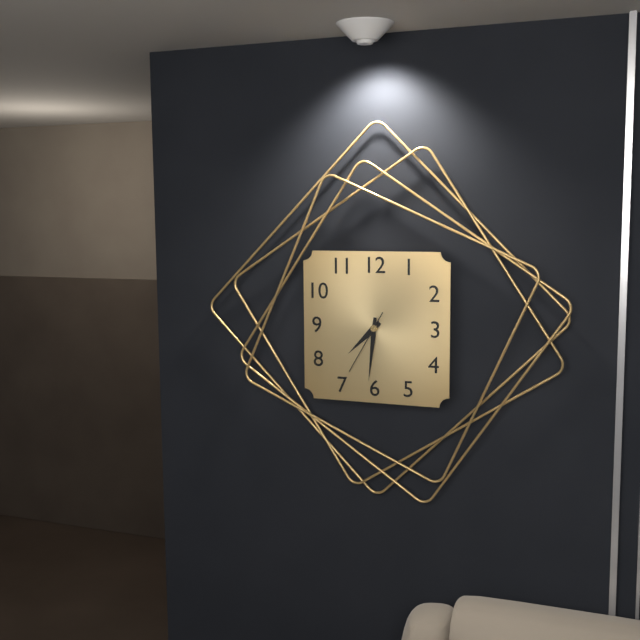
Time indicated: **7:31:35**
